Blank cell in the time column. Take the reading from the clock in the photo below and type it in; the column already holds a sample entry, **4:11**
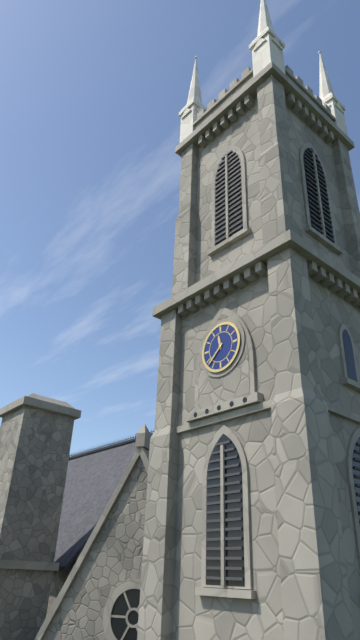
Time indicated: **11:38**
